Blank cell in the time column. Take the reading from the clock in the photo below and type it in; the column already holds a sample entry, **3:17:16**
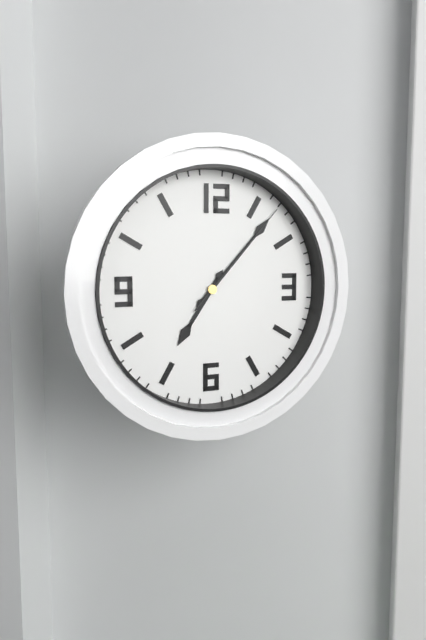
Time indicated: **7:07:07**
